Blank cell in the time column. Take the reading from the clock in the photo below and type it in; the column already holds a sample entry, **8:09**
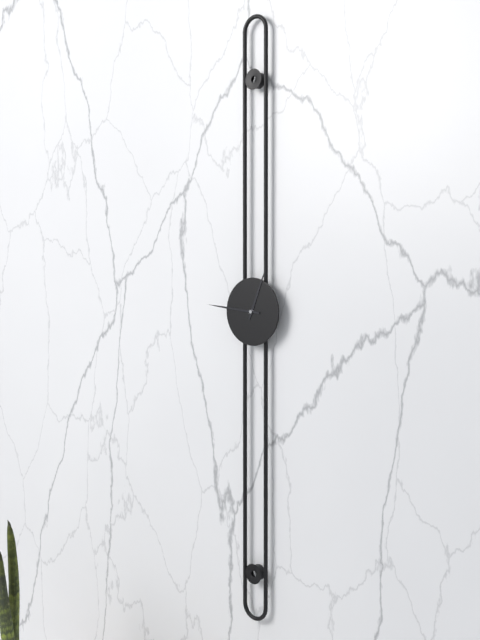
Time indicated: **12:46**
